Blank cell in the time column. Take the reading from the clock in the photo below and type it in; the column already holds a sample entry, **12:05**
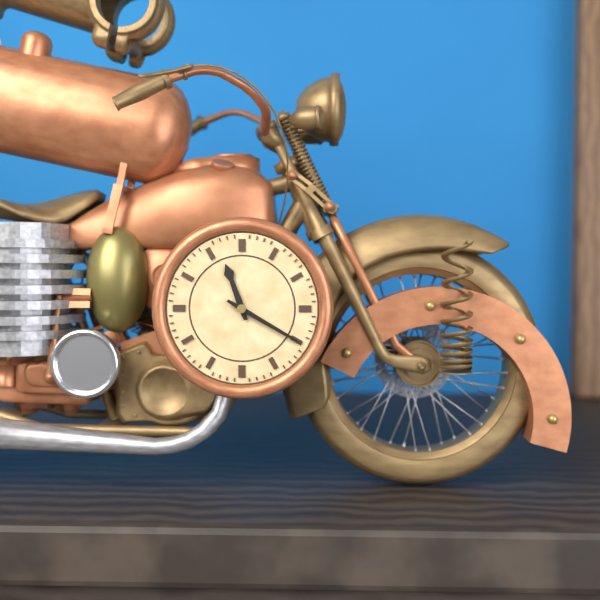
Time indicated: **11:20**
